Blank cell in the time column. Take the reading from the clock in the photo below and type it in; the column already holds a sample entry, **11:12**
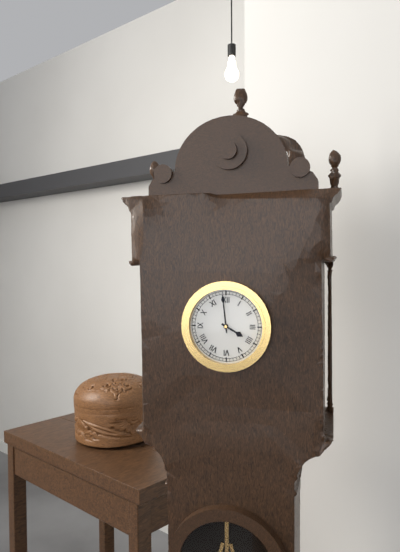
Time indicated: **3:59**
